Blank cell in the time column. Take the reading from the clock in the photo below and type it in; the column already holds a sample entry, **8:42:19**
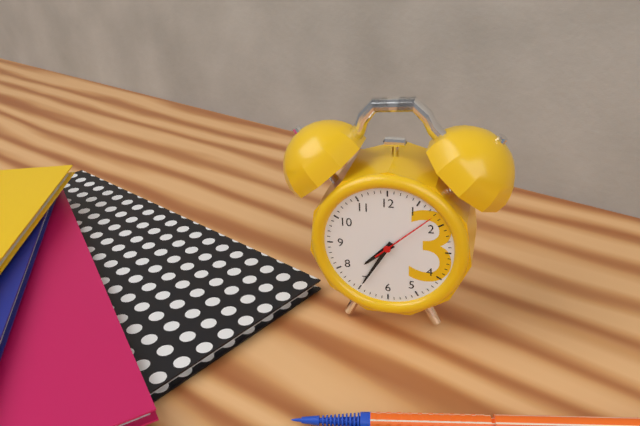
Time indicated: **7:35:08**
